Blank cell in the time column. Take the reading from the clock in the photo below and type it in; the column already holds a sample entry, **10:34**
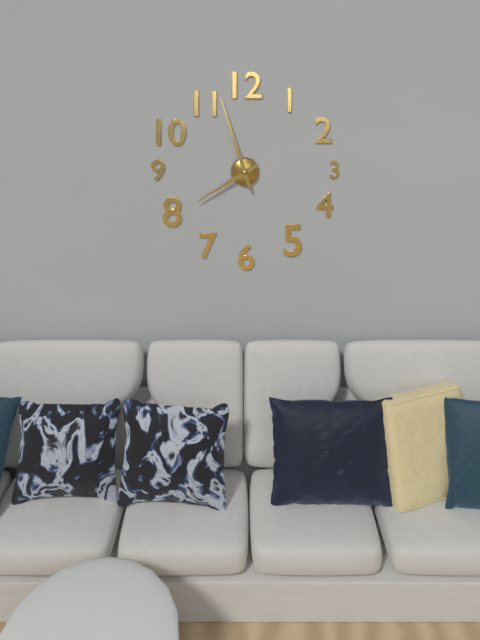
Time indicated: **7:57**
